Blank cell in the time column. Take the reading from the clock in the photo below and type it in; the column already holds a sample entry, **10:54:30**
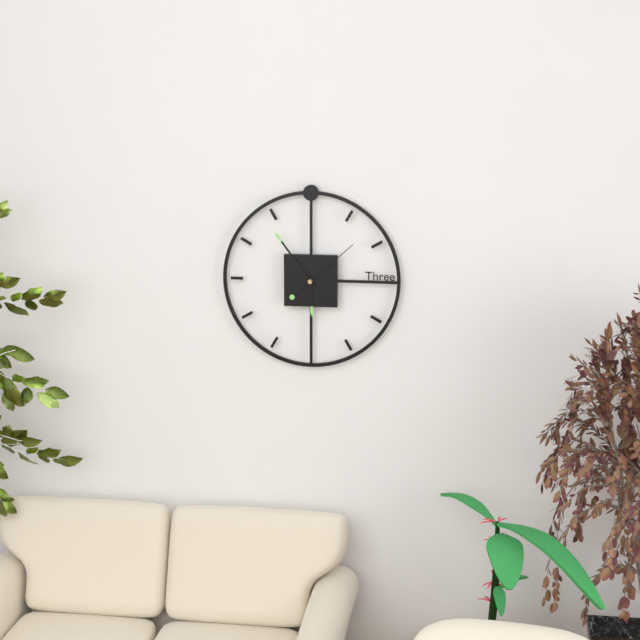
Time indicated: **5:54:08**
